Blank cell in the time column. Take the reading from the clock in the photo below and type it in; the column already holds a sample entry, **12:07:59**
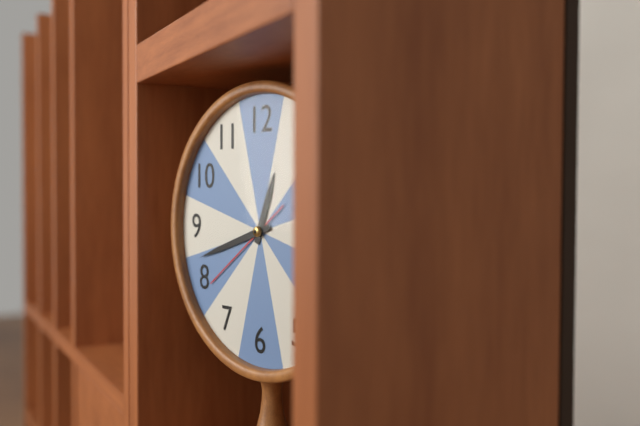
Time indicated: **12:42:39**
